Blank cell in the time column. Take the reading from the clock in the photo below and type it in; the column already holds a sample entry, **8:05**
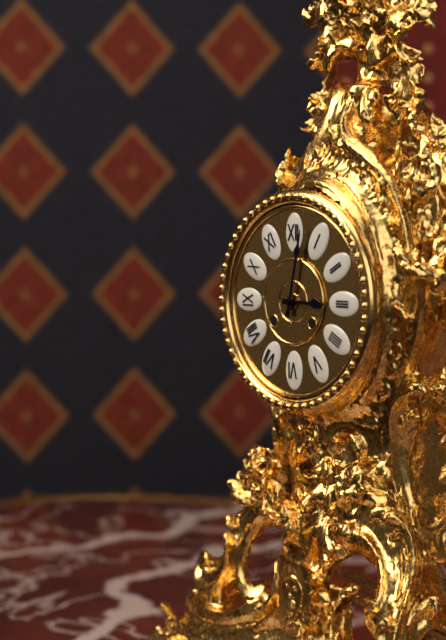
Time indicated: **3:02**
